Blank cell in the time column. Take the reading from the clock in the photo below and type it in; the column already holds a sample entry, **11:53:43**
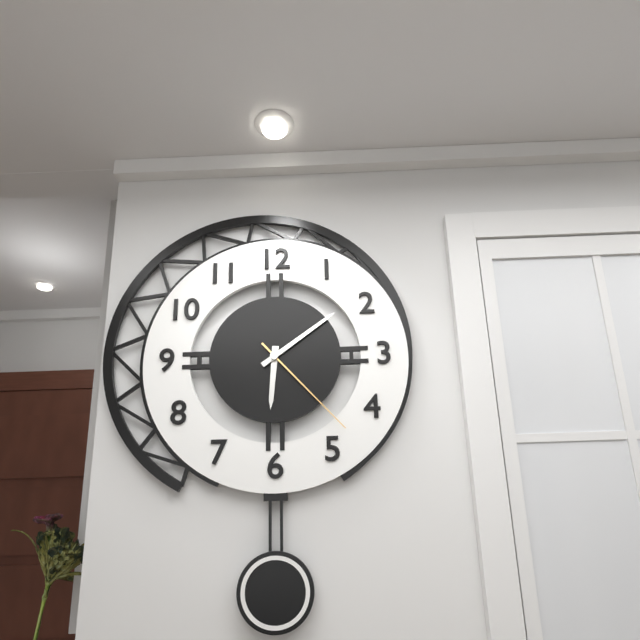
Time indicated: **6:09:23**
